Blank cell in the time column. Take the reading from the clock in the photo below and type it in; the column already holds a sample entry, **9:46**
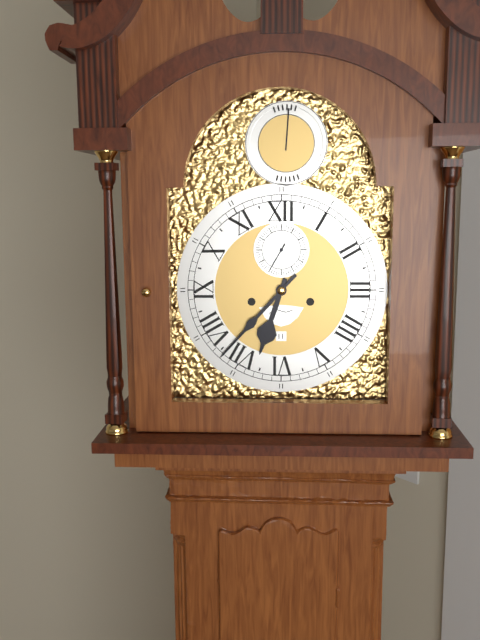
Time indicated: **6:37**
